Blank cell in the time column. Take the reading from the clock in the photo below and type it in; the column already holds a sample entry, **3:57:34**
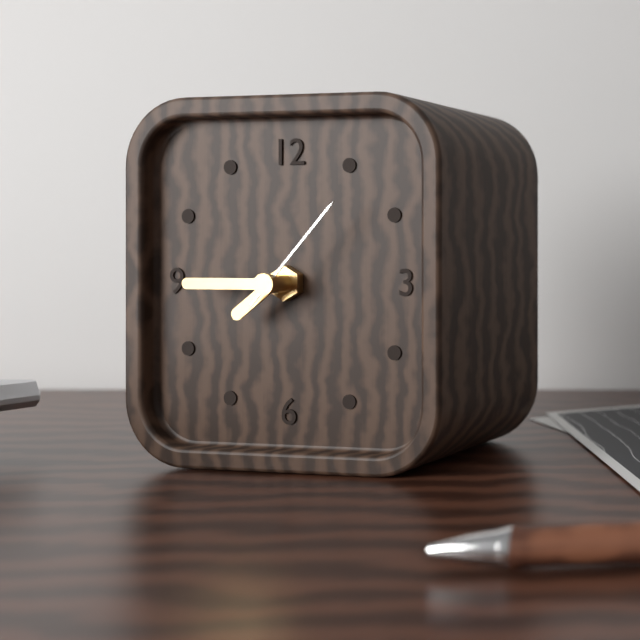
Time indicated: **7:45:07**
